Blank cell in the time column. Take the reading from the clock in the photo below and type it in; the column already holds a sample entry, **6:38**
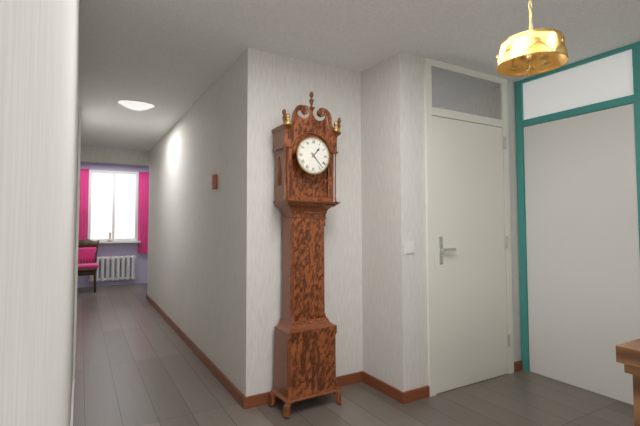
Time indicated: **1:23**
